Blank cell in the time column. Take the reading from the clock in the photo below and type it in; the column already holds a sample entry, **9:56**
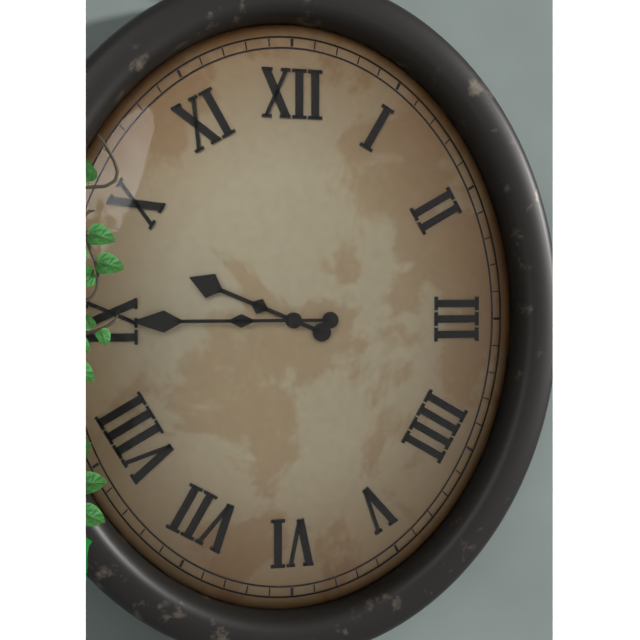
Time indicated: **9:45**
